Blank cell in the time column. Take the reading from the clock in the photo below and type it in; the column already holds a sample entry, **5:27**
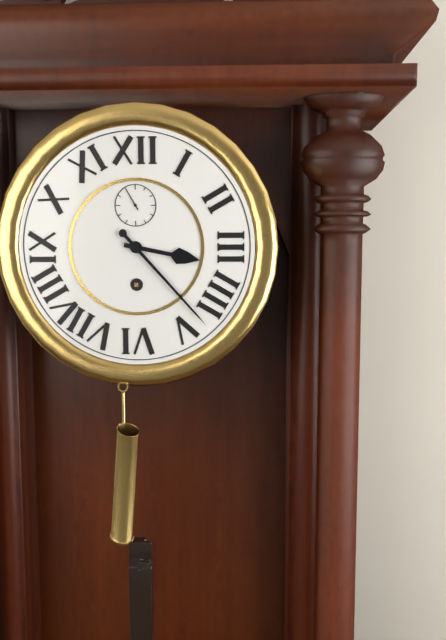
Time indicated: **3:23**
